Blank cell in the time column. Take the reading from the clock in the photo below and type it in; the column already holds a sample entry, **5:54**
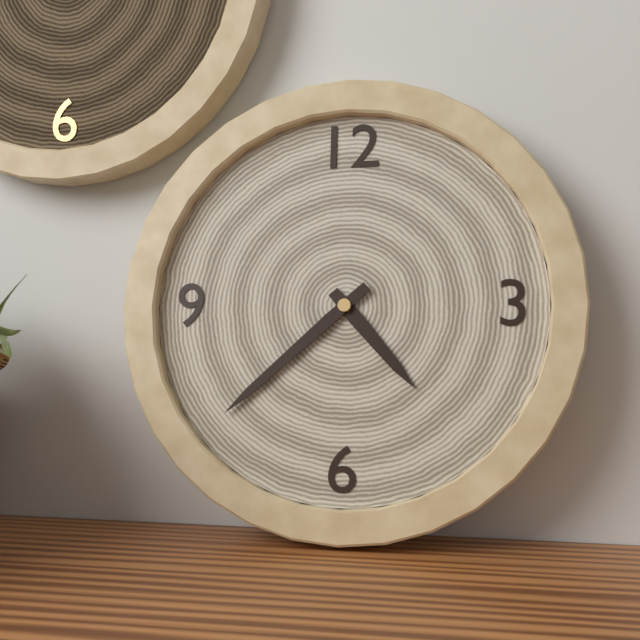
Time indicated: **4:38**
